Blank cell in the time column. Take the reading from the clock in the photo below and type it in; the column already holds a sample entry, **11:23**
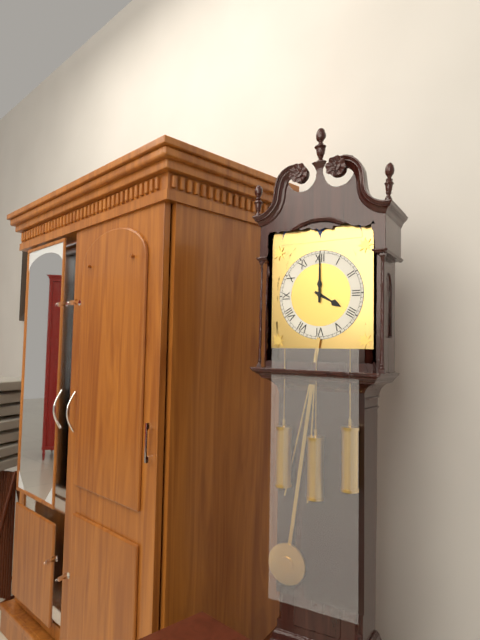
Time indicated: **4:00**
